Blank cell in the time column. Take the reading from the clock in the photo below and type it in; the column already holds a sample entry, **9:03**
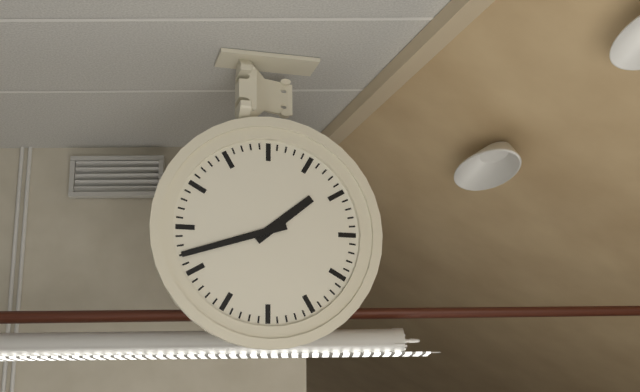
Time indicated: **1:42**
